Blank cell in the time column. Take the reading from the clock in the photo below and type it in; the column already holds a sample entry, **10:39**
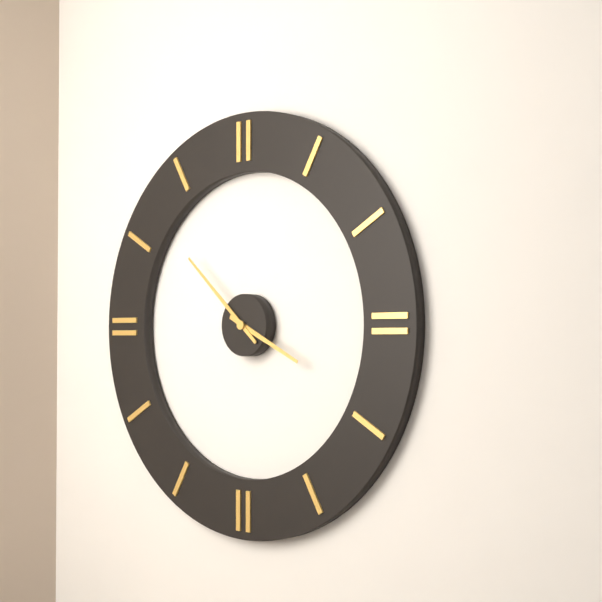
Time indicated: **3:52**
